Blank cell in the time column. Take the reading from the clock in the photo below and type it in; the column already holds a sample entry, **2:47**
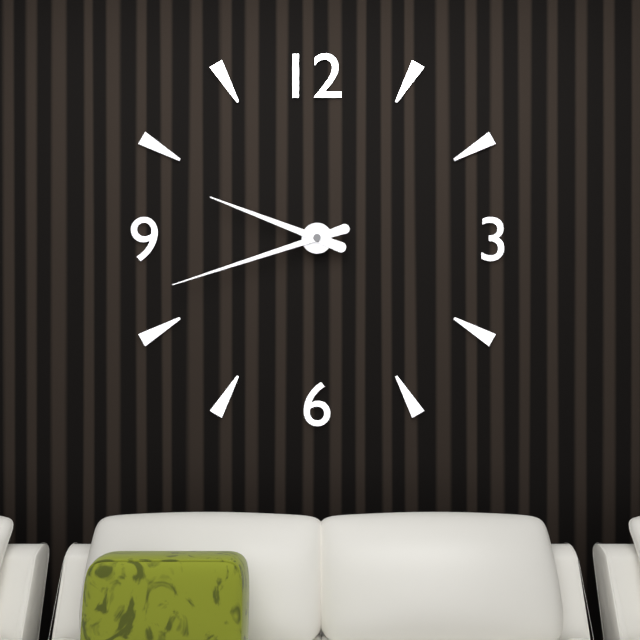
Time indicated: **9:42**
